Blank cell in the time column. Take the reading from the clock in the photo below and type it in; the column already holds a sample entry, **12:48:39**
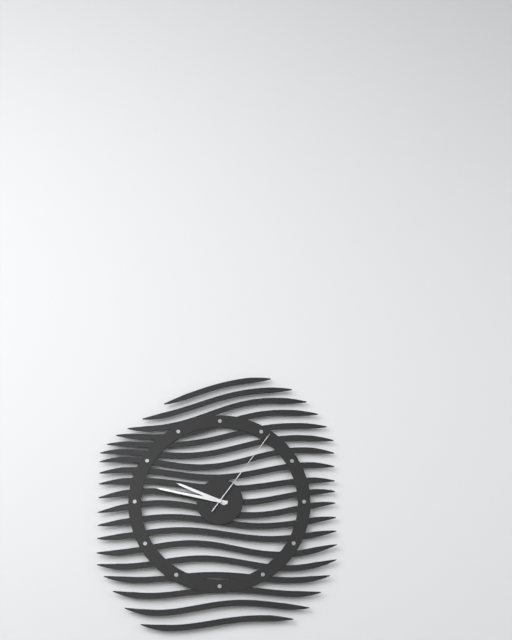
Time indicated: **9:47:06**
